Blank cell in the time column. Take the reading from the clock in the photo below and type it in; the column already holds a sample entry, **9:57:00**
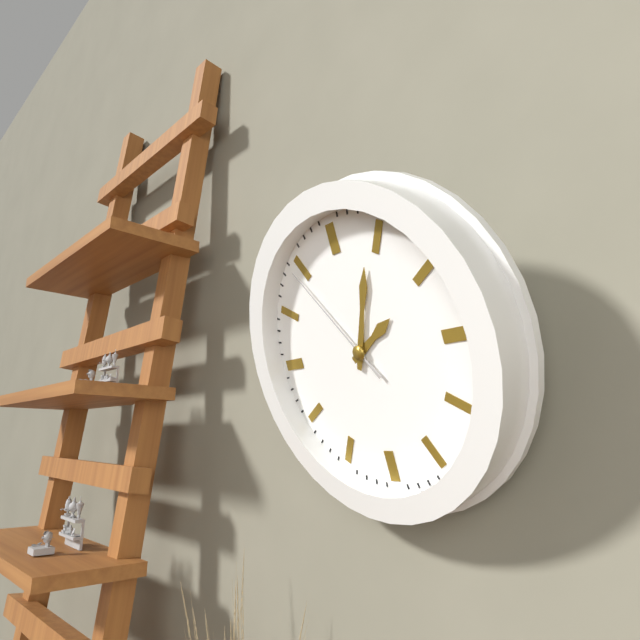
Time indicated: **2:04:54**
